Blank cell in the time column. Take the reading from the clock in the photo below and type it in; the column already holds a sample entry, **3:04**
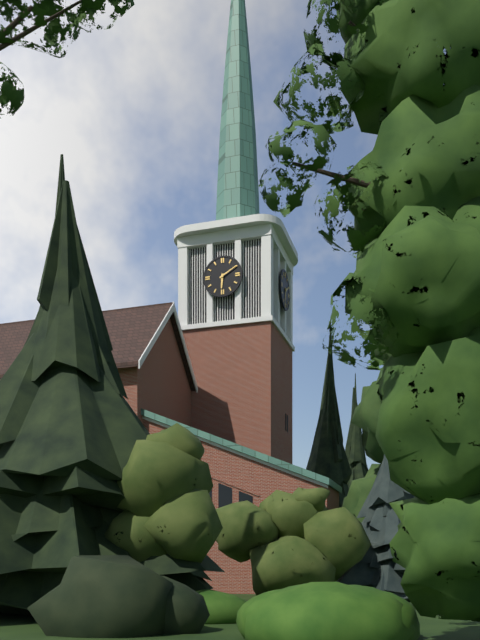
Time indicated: **6:10**
